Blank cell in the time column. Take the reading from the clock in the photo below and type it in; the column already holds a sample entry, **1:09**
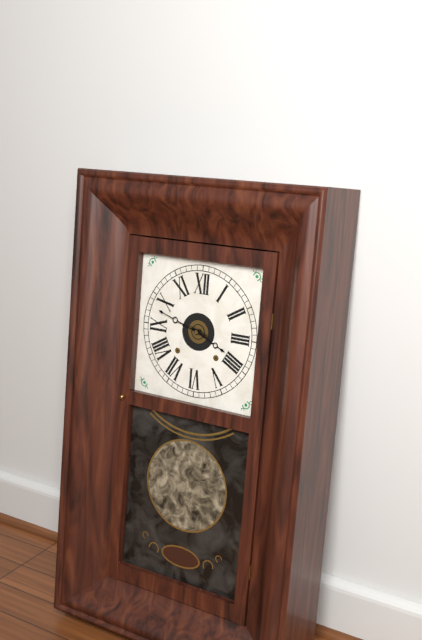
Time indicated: **3:48**
